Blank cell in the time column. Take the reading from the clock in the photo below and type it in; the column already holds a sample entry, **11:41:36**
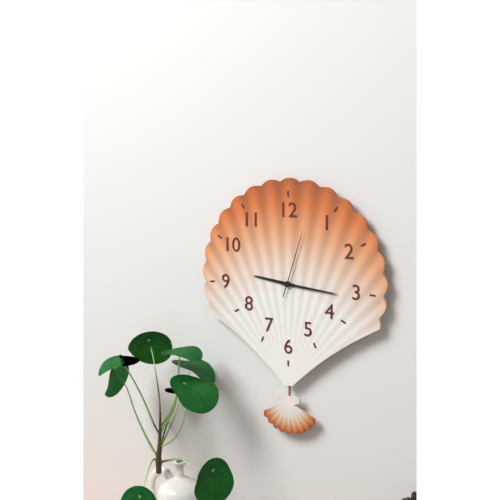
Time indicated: **9:16:03**
